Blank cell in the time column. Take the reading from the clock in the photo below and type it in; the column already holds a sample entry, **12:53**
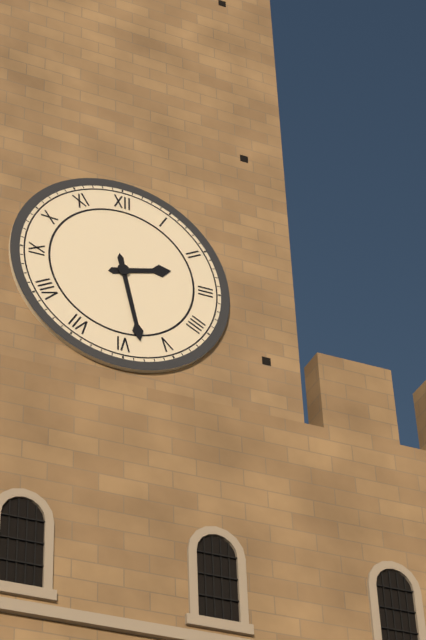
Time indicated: **2:28**
